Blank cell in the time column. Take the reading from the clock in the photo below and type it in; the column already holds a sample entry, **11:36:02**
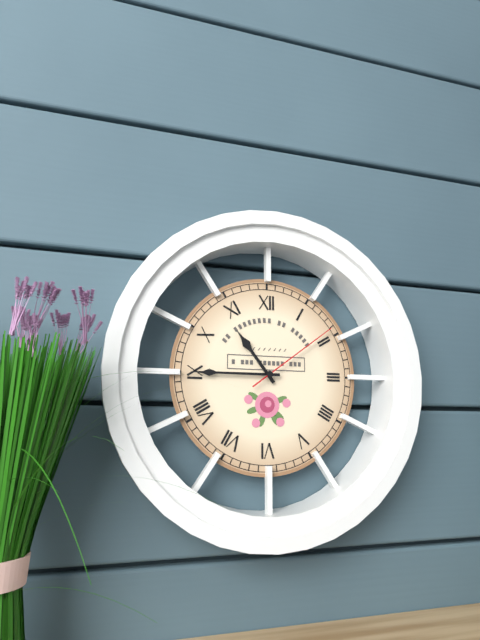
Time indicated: **10:45:09**
